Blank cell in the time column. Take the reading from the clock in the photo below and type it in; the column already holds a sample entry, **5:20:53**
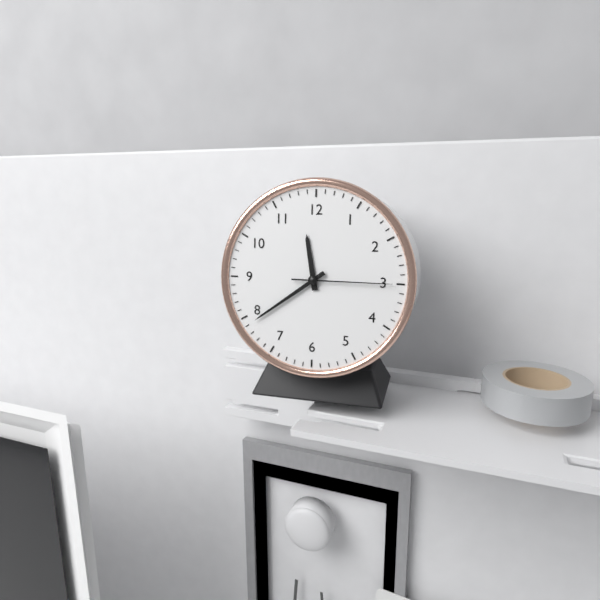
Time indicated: **11:39:15**
